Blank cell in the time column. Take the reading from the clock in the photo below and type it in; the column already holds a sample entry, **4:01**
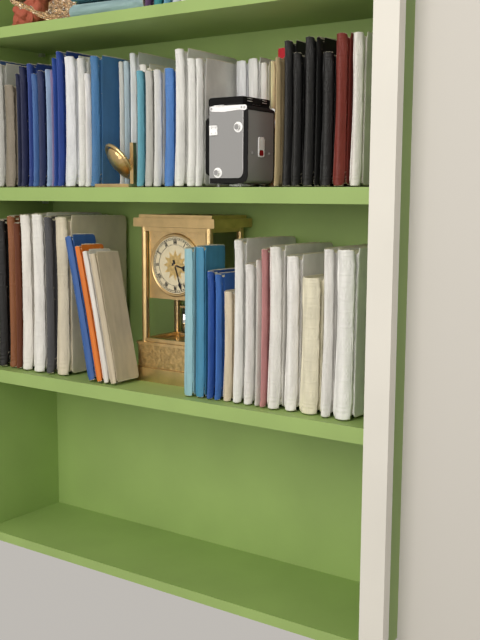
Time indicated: **3:27**
